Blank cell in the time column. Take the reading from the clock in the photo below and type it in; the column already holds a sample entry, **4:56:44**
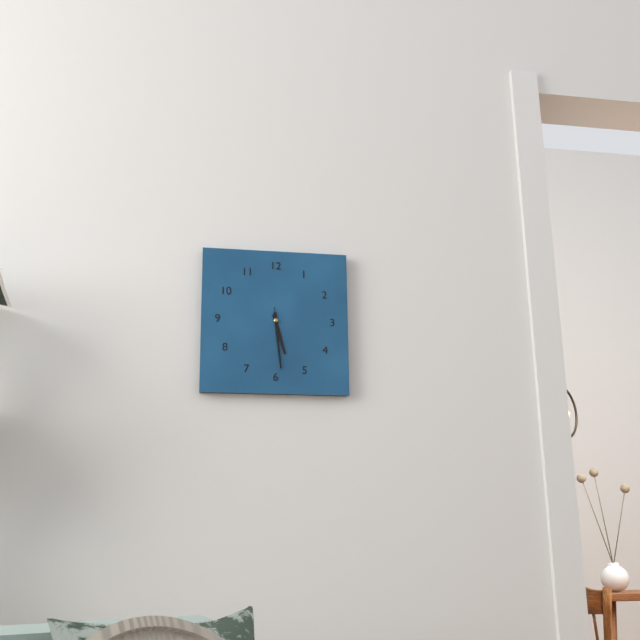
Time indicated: **5:29:29**
